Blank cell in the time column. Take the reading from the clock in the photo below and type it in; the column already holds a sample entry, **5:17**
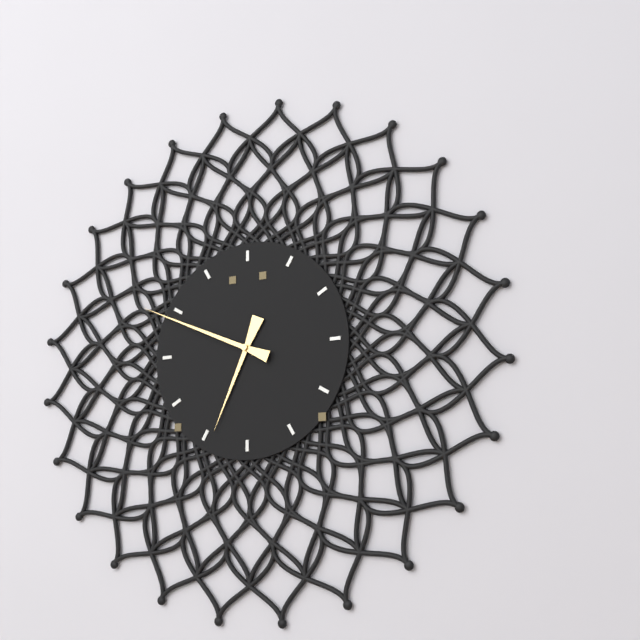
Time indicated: **6:49**
